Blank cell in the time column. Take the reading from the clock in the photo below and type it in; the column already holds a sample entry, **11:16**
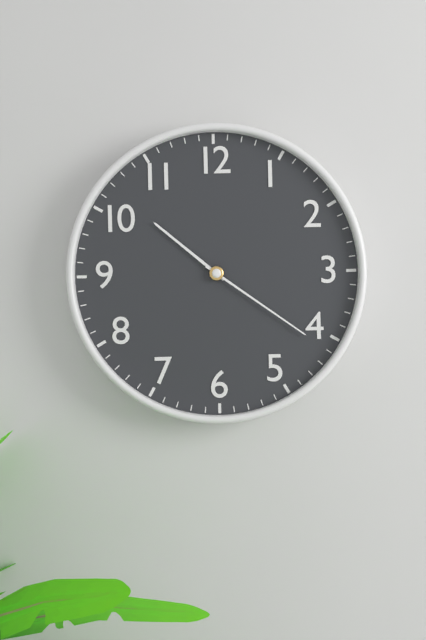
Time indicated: **10:21**
